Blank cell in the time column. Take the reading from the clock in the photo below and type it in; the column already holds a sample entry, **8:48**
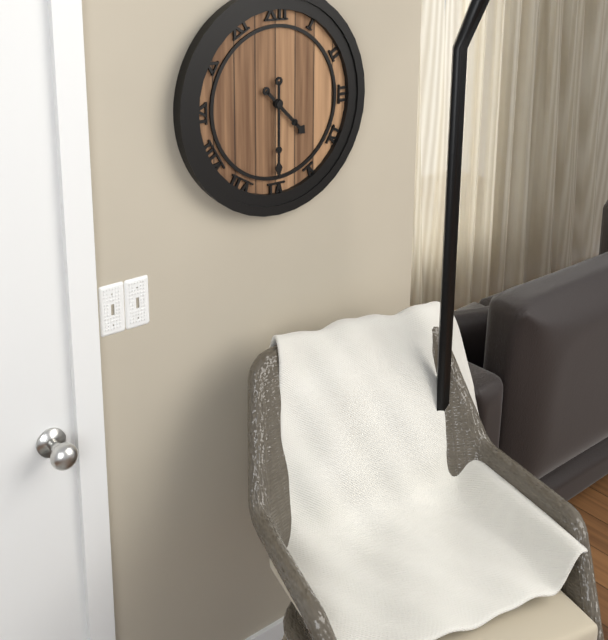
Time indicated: **4:30**
